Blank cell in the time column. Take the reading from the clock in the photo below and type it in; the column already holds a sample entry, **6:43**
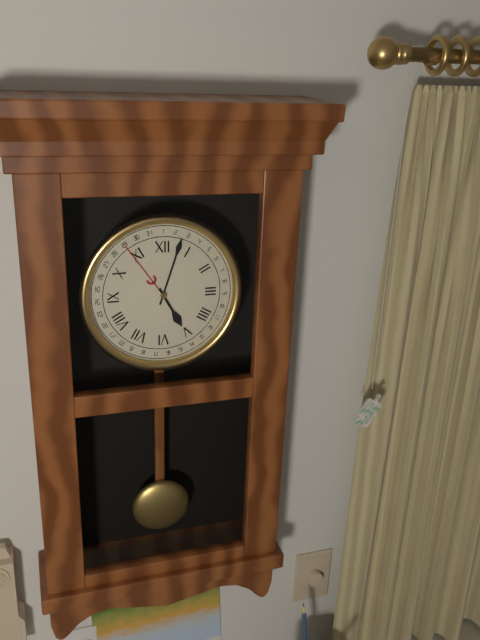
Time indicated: **5:03**
